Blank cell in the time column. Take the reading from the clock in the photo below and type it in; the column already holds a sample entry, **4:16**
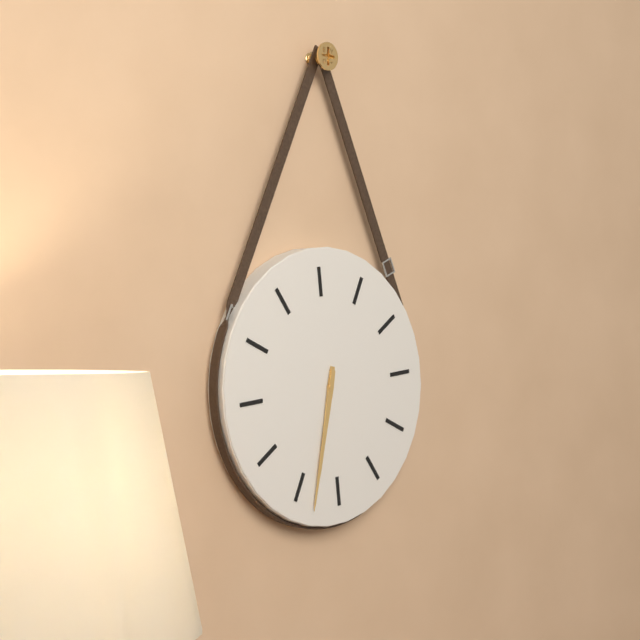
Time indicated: **6:33**
